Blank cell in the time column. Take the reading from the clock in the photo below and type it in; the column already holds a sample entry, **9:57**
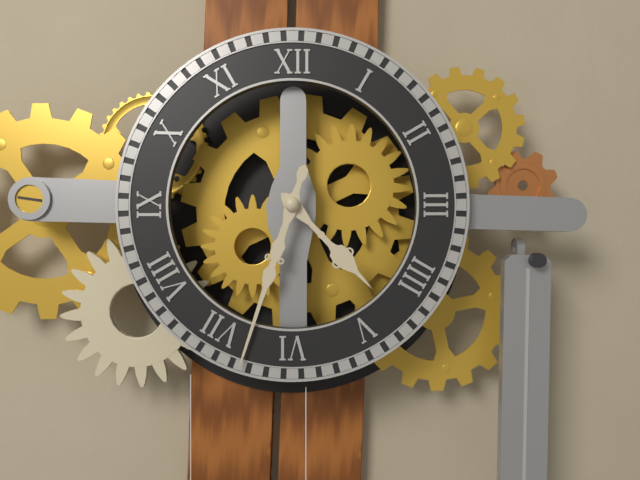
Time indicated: **4:33**
